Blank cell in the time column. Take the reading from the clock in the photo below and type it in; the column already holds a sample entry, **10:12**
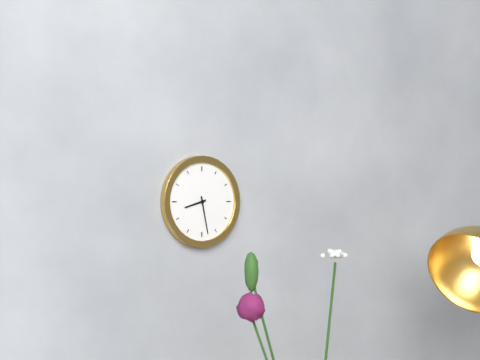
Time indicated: **8:28**
